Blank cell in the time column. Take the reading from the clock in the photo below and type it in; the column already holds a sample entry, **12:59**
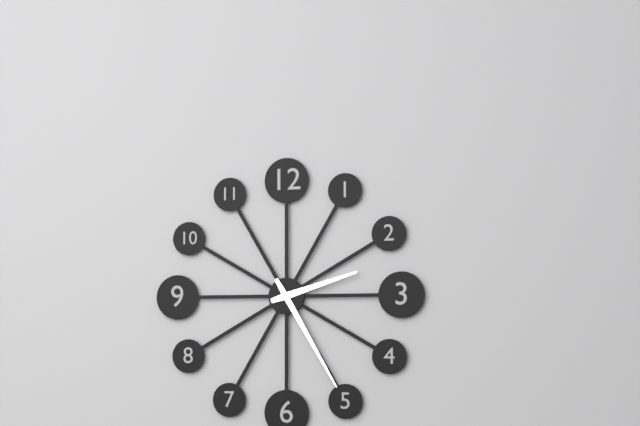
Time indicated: **2:25**
